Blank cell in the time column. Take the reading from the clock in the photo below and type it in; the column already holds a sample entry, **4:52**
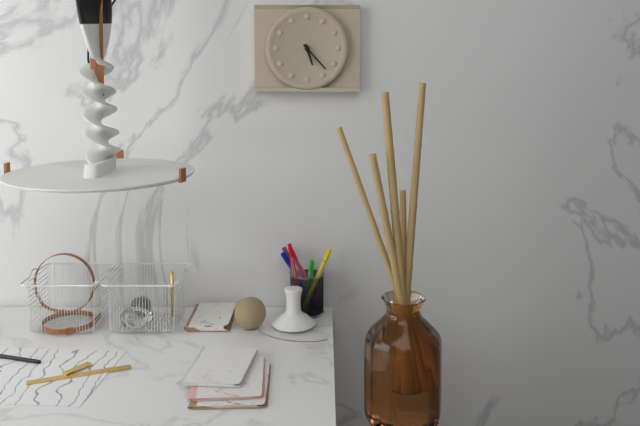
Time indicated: **5:23**
